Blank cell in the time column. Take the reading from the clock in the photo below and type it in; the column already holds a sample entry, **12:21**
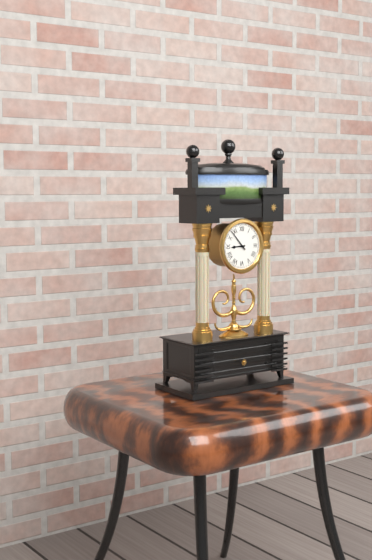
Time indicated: **8:53**
